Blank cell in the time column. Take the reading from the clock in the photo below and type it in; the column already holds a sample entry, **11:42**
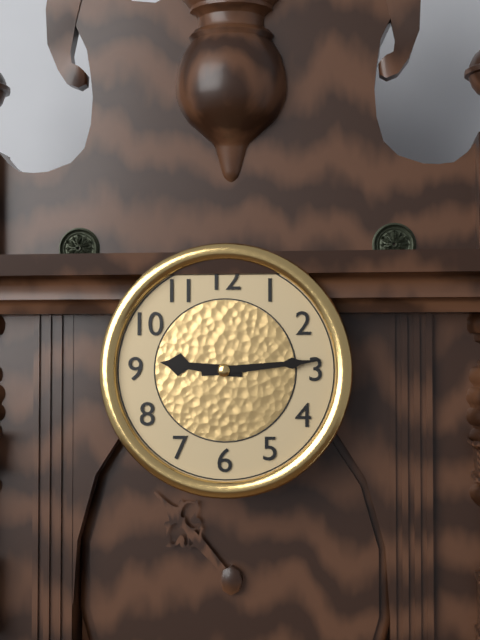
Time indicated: **9:14**
